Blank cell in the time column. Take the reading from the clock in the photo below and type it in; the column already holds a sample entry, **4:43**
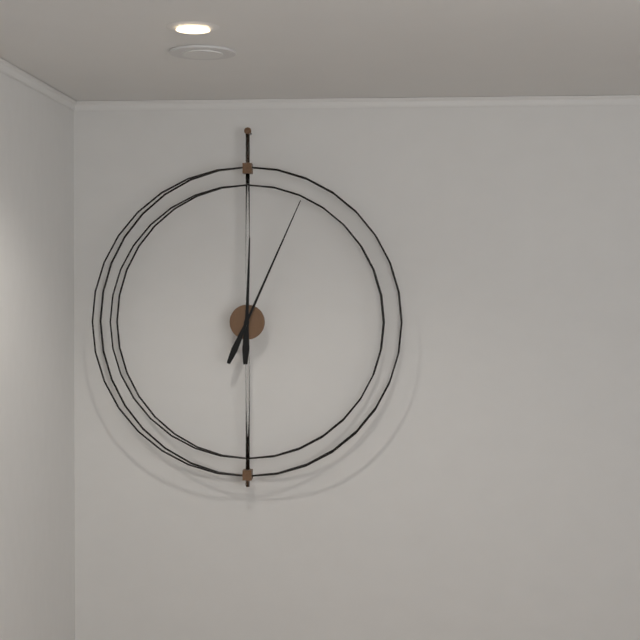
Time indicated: **12:04**
